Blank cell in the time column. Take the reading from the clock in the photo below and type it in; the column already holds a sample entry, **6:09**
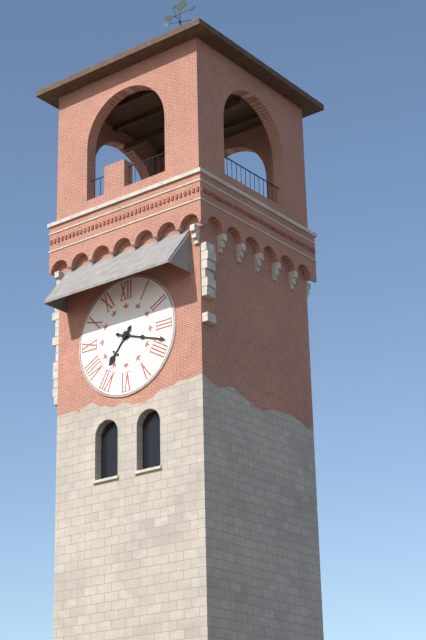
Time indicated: **7:18**
